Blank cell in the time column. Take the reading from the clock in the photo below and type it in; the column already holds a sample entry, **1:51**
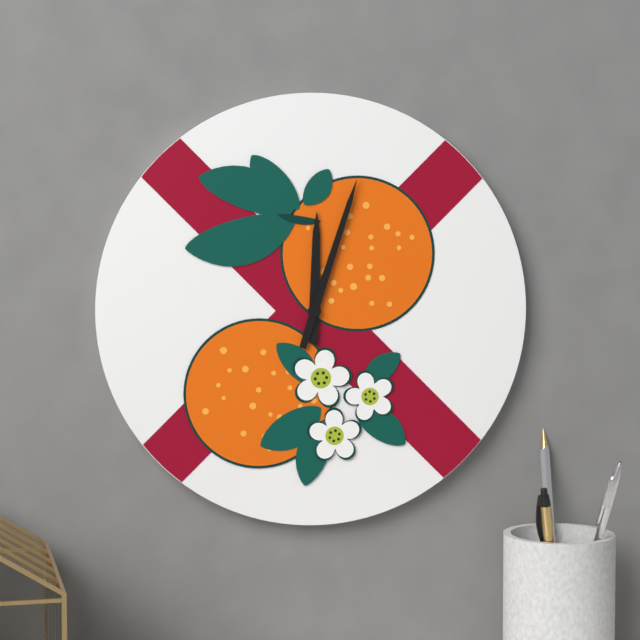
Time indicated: **12:03**
